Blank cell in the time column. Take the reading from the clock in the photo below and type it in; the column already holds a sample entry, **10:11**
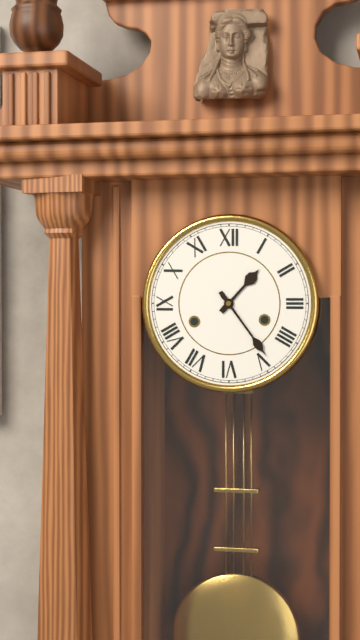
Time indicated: **1:24**
